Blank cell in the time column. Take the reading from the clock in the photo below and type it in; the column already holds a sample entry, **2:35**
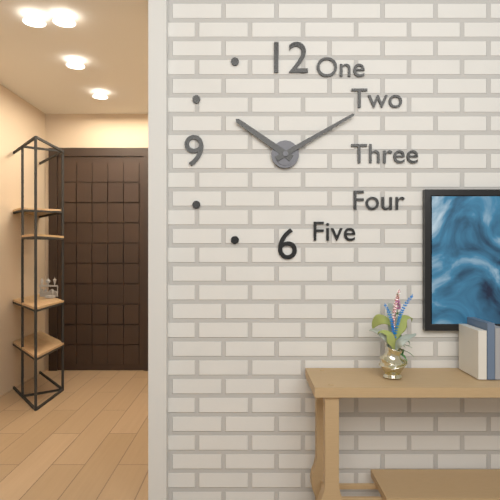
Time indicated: **10:10**
